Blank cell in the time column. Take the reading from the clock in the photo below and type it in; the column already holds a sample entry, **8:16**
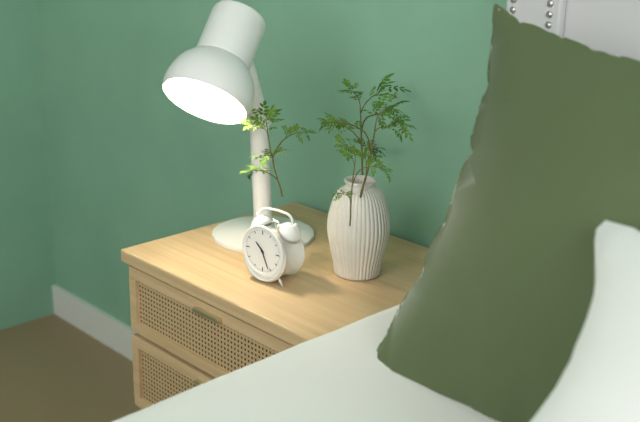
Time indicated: **10:26**
